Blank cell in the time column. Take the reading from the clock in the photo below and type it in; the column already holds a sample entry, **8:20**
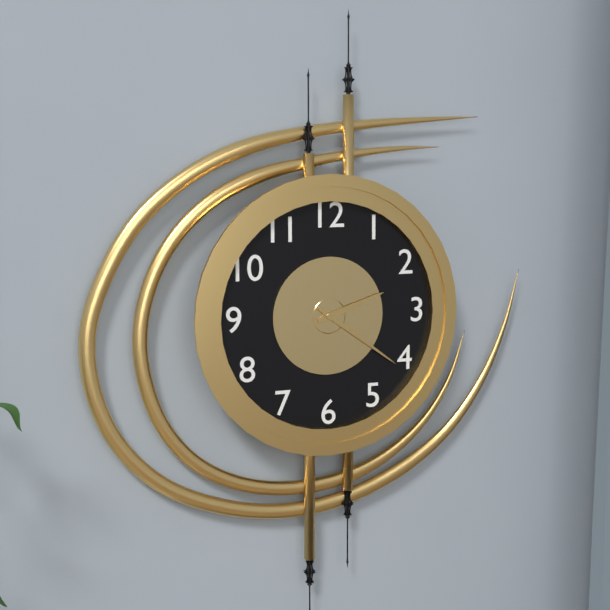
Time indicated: **2:21**
